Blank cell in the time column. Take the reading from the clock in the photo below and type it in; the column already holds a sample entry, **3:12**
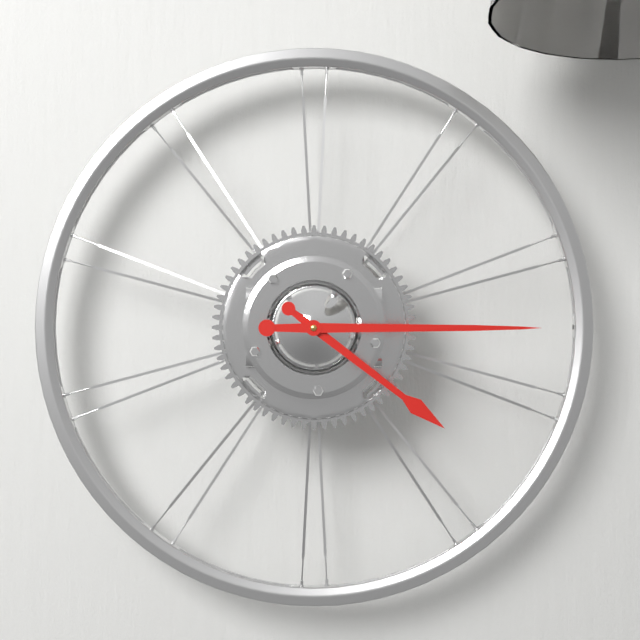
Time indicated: **4:15**
